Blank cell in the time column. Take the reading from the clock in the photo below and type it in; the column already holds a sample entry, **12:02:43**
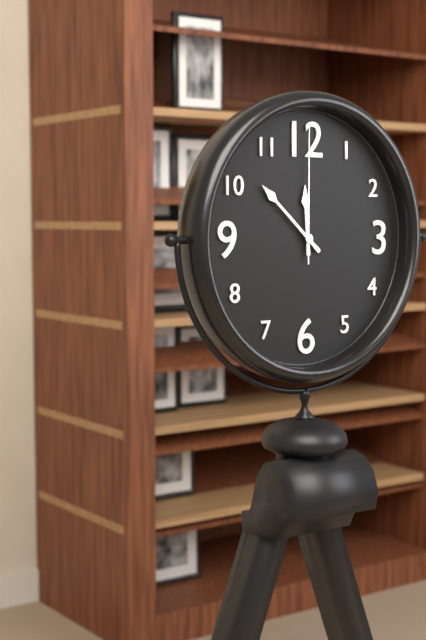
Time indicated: **11:52:00**
